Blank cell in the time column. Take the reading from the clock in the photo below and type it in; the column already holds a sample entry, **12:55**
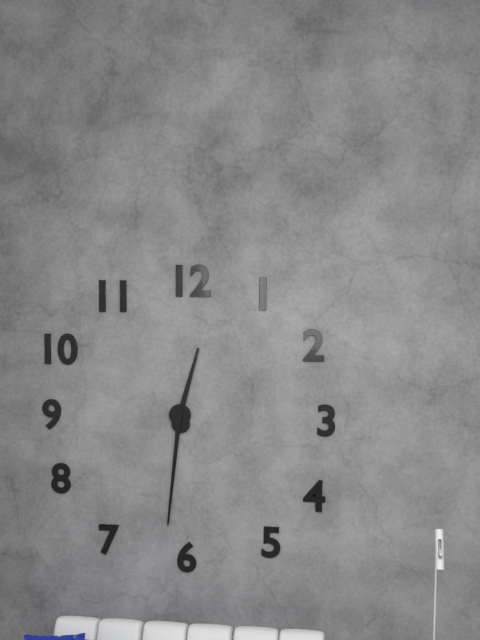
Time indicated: **12:31**
